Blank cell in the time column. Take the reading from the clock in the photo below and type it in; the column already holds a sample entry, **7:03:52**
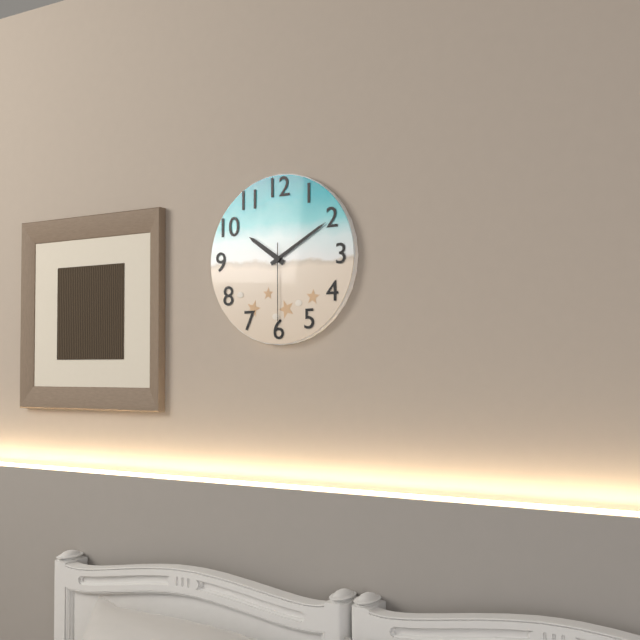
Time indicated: **10:10:30**
